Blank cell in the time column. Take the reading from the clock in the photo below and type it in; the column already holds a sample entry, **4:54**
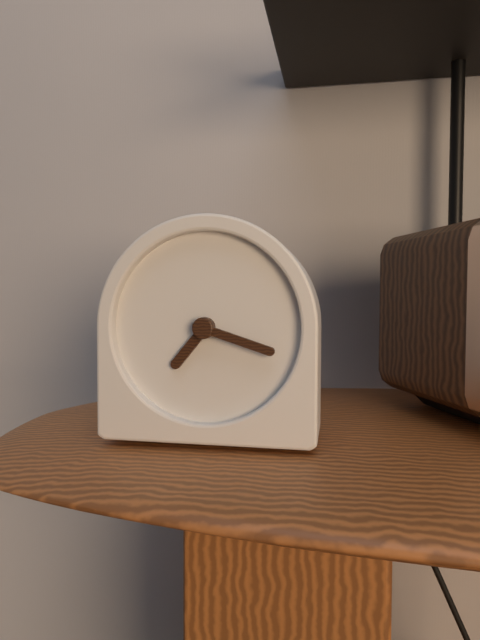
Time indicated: **7:18**
